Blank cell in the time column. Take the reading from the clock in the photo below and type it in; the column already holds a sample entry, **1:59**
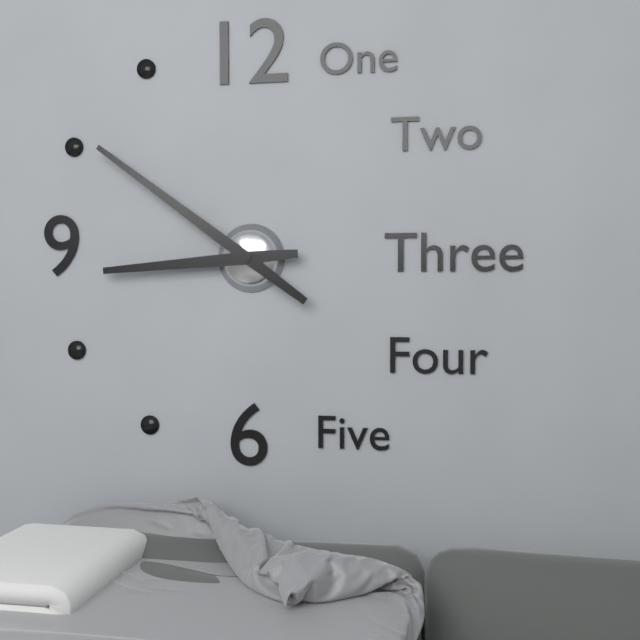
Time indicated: **8:51**
